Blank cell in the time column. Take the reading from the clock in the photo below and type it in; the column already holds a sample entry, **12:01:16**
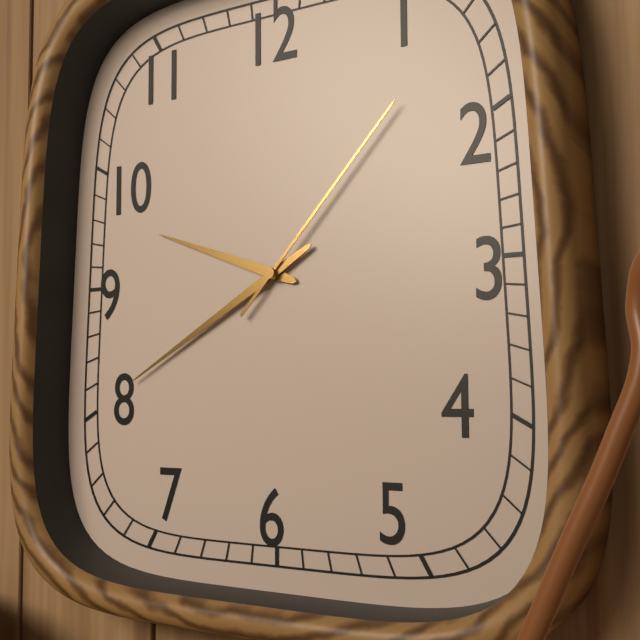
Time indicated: **9:40:07**
